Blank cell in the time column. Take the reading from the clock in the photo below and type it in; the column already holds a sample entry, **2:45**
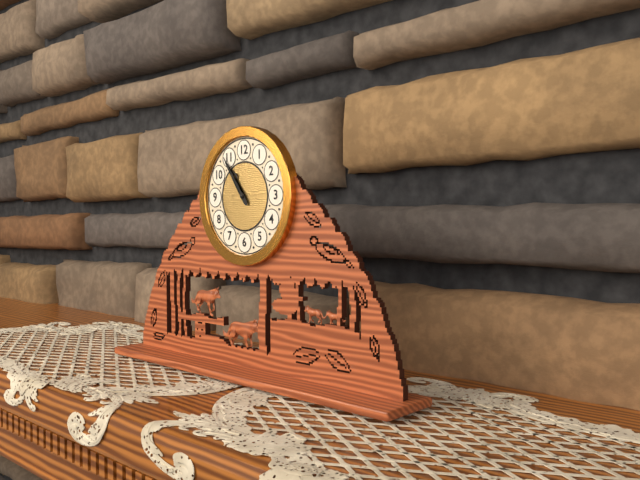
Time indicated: **10:54**
